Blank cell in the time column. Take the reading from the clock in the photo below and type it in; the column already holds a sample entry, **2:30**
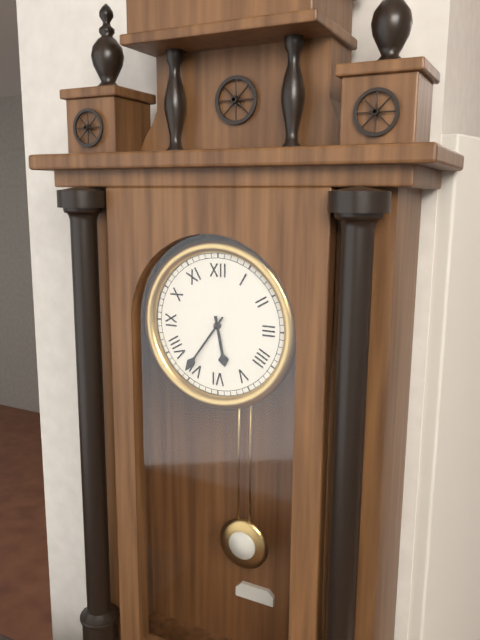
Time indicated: **5:36**
